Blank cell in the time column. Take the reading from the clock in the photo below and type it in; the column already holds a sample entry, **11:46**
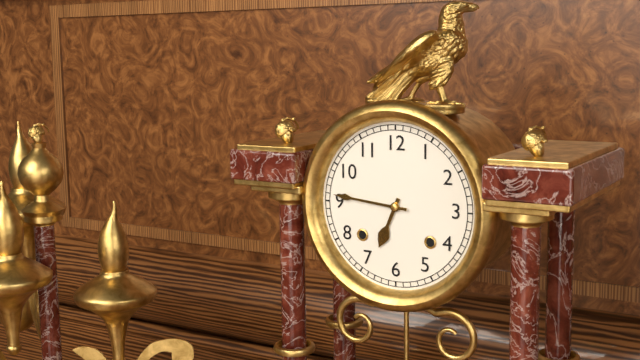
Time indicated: **6:46**
